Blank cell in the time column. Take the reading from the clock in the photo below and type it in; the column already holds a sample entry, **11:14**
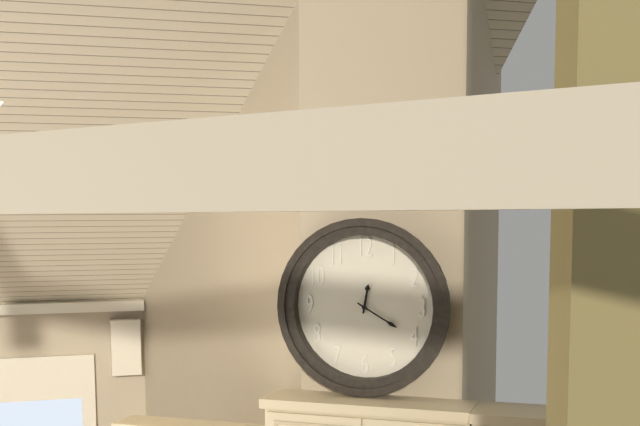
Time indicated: **12:20**
